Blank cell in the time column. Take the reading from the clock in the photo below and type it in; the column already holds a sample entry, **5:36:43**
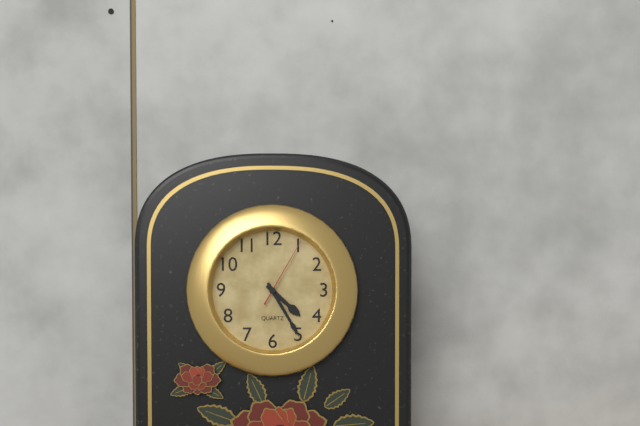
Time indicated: **4:25:05**
